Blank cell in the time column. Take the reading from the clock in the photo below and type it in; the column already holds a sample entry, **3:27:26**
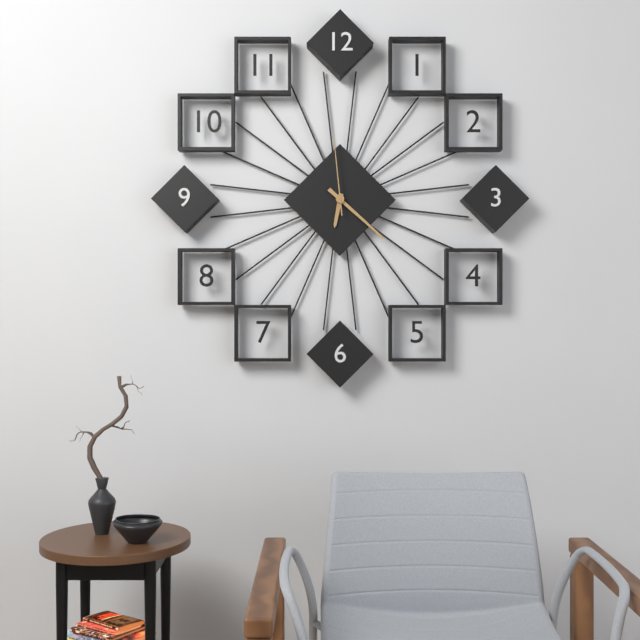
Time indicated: **6:22:59**
